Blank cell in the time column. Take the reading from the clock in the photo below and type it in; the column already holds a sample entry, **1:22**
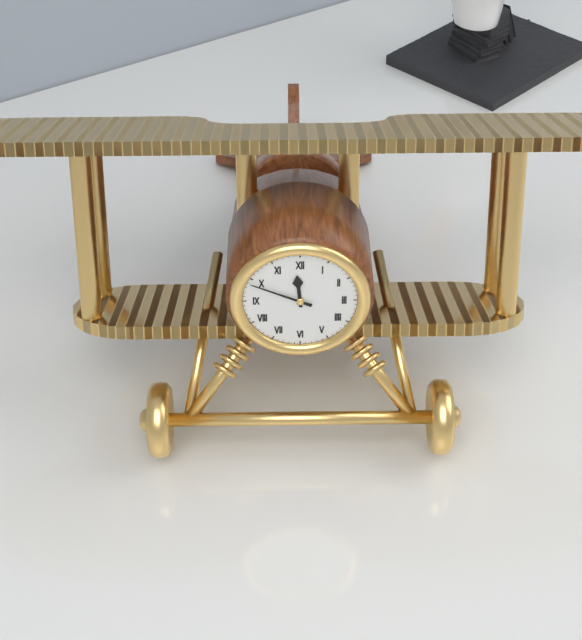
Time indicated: **11:49**
